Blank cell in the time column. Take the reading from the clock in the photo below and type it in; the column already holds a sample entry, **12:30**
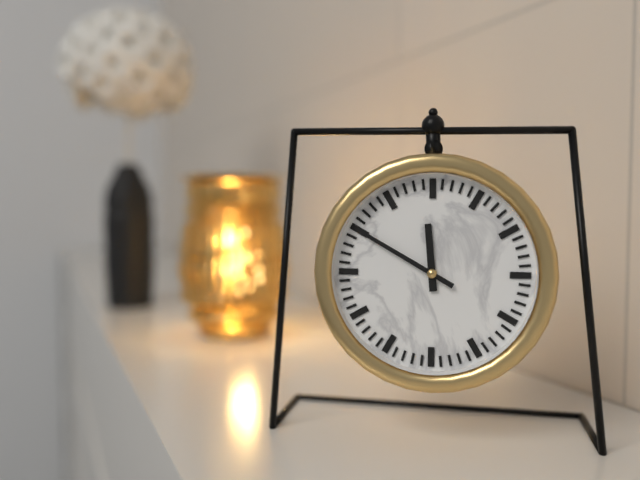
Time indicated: **11:50**
